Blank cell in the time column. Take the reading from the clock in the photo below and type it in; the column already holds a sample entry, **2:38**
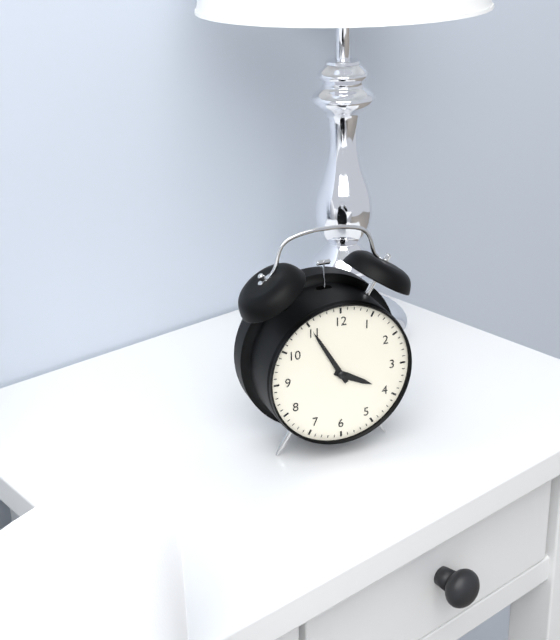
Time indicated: **3:55**
